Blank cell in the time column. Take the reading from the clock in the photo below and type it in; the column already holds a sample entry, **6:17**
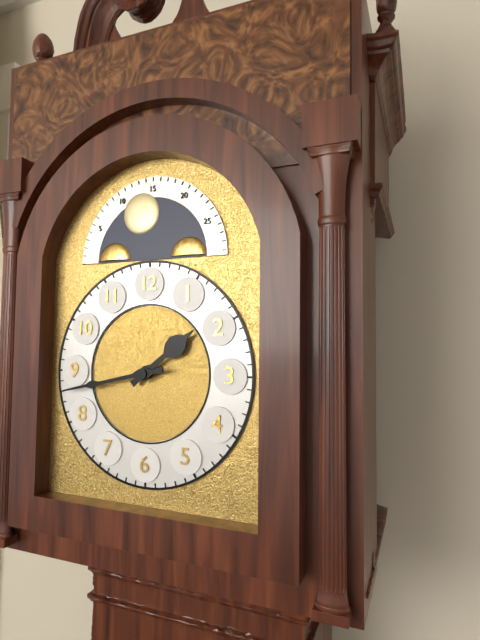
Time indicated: **1:43**
